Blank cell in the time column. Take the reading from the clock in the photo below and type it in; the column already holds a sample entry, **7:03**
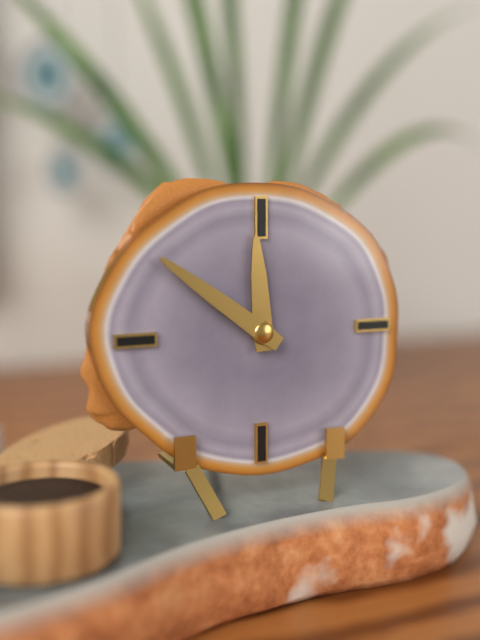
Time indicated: **11:51**
